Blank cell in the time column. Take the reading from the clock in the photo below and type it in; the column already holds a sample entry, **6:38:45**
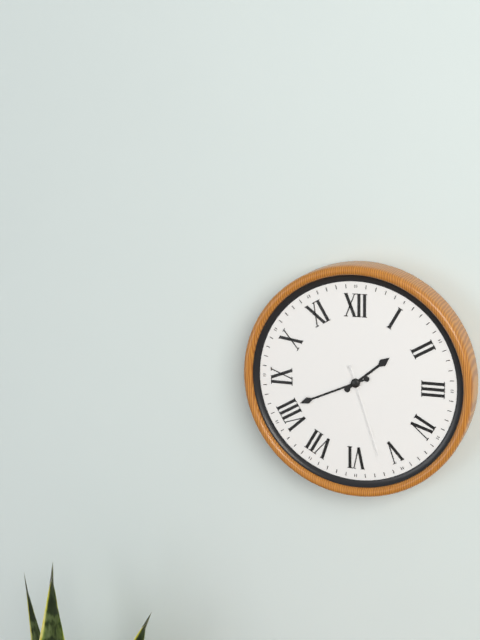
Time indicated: **1:41:27**
